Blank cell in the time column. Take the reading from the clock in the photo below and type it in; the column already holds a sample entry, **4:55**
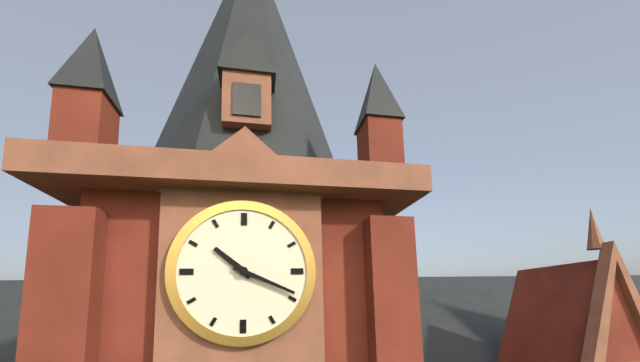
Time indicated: **10:19**
